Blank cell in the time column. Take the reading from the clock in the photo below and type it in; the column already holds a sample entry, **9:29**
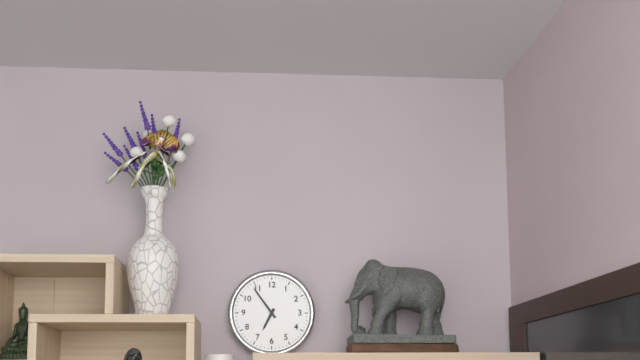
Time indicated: **6:54**
